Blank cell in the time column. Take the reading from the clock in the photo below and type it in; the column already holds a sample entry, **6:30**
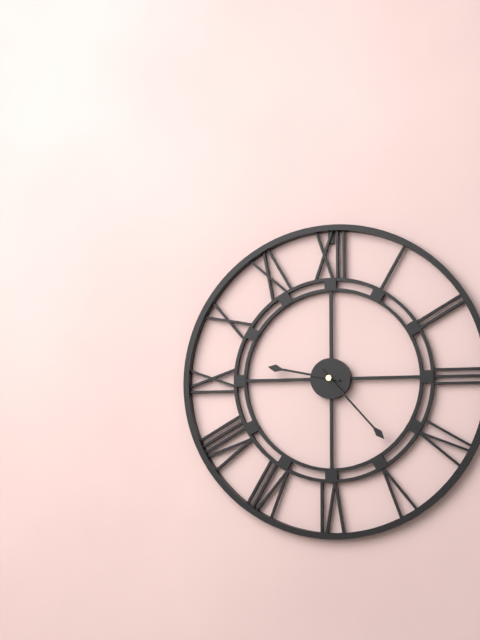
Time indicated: **9:23**
